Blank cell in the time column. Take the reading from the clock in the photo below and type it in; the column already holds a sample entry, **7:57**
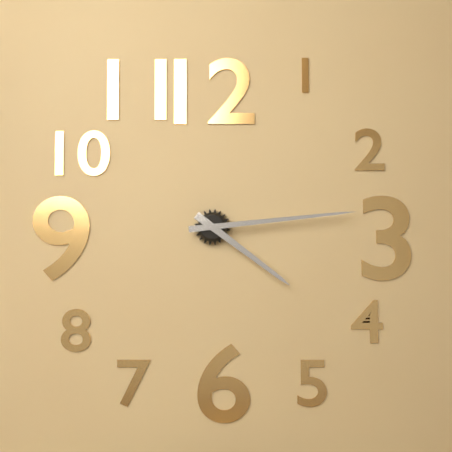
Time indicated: **4:14**
